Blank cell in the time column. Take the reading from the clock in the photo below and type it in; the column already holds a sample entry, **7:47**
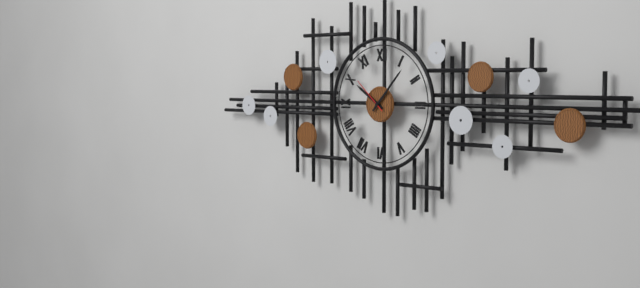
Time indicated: **10:07**
